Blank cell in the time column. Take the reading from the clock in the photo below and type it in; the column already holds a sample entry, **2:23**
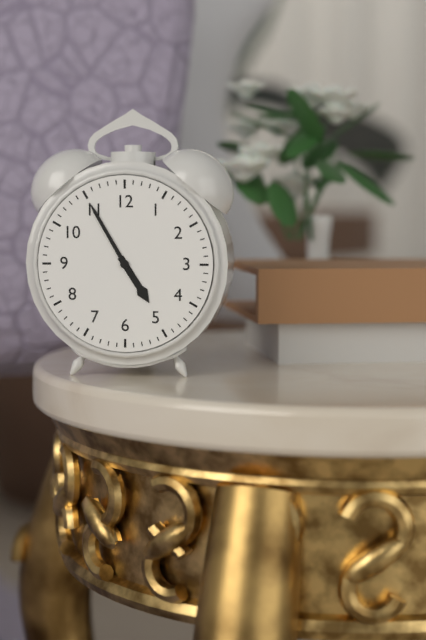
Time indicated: **4:55**
